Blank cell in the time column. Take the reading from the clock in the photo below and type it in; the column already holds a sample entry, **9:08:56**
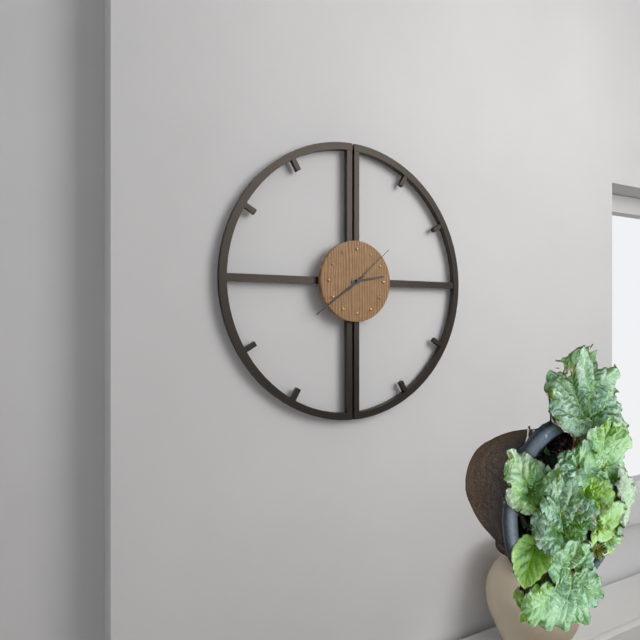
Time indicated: **2:39:08**
